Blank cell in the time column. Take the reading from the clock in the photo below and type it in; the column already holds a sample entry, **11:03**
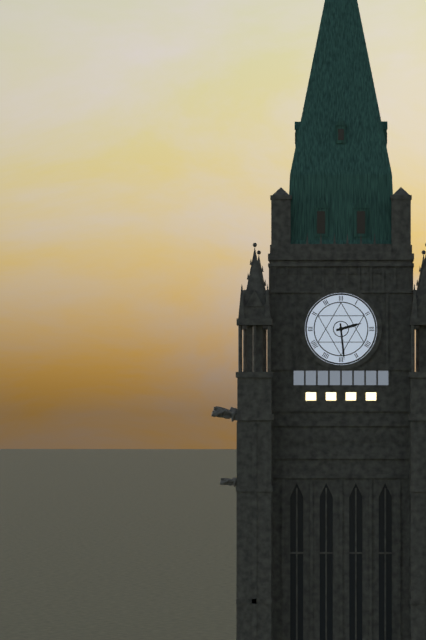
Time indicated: **2:29**
